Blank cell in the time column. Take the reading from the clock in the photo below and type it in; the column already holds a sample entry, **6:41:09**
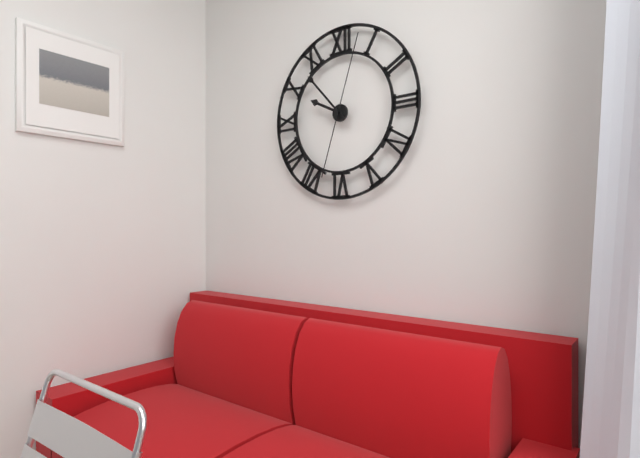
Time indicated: **9:53:03**
